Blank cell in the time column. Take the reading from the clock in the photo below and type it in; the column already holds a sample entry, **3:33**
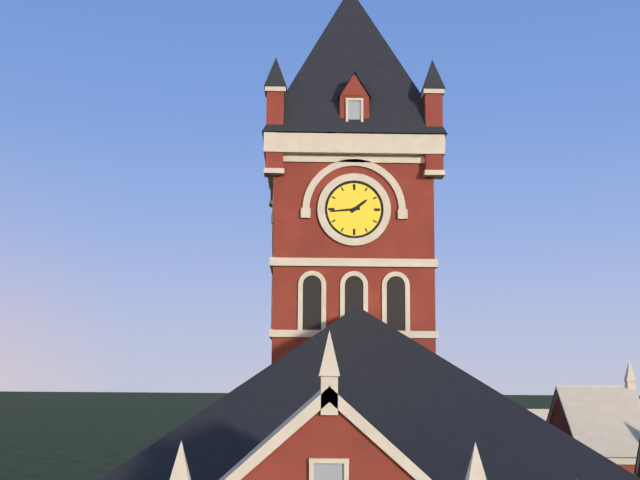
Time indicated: **1:44**
